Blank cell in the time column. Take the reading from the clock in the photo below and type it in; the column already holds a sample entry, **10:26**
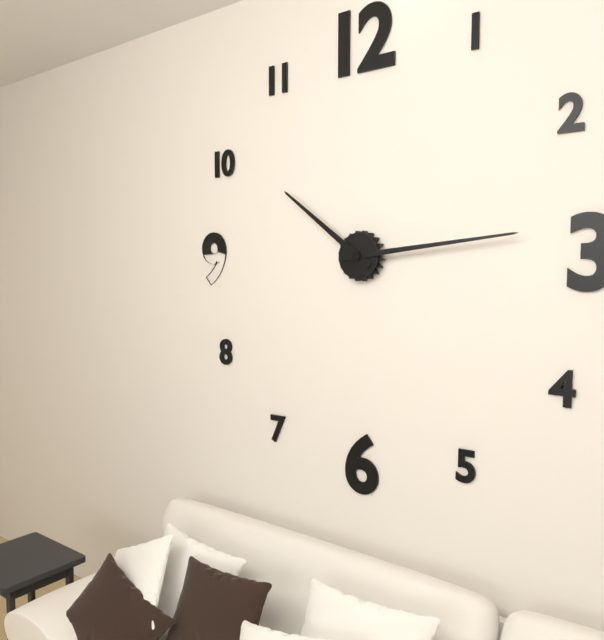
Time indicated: **10:14**
